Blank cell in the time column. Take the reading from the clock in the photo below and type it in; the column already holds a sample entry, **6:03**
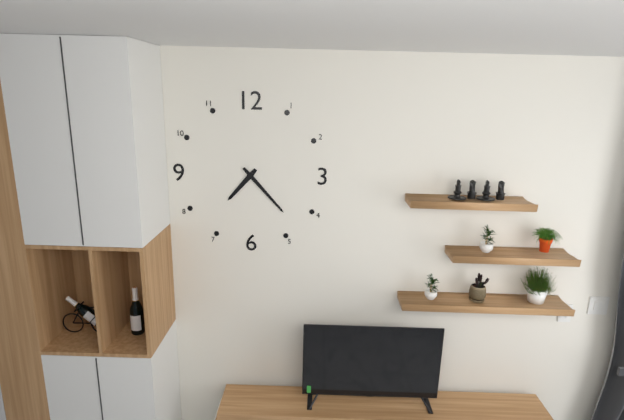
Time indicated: **7:23**
